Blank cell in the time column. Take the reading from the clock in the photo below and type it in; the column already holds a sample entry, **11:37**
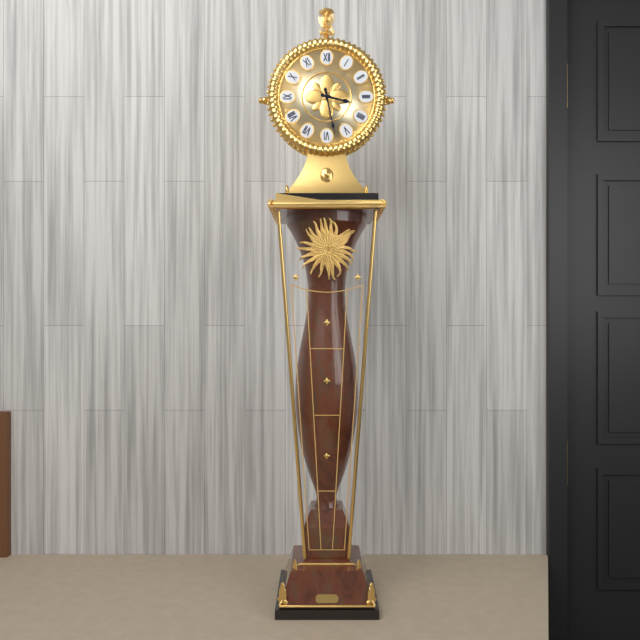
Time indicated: **3:28**
